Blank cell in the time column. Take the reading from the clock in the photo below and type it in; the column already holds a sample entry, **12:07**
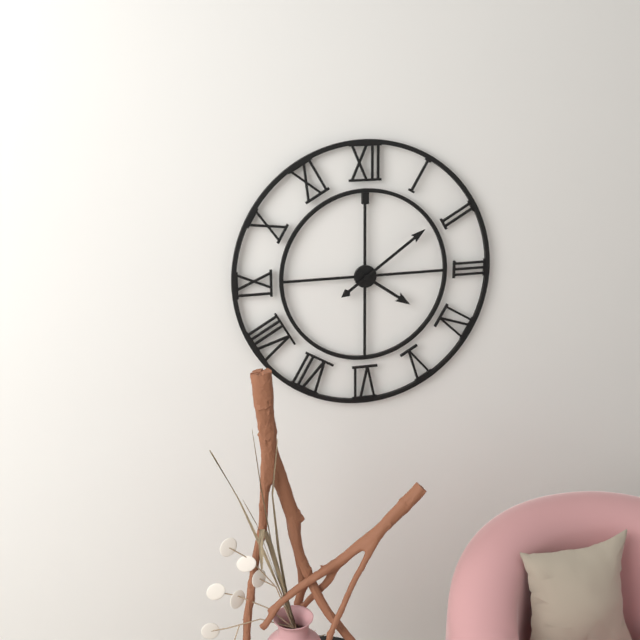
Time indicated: **4:09**
